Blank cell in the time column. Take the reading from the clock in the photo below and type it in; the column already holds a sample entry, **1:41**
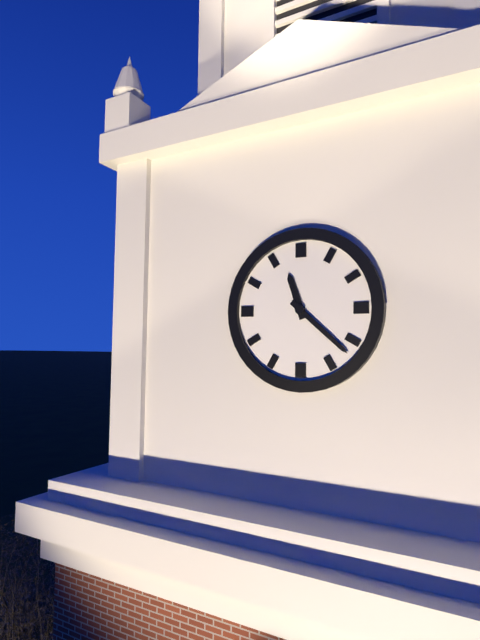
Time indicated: **11:22**
